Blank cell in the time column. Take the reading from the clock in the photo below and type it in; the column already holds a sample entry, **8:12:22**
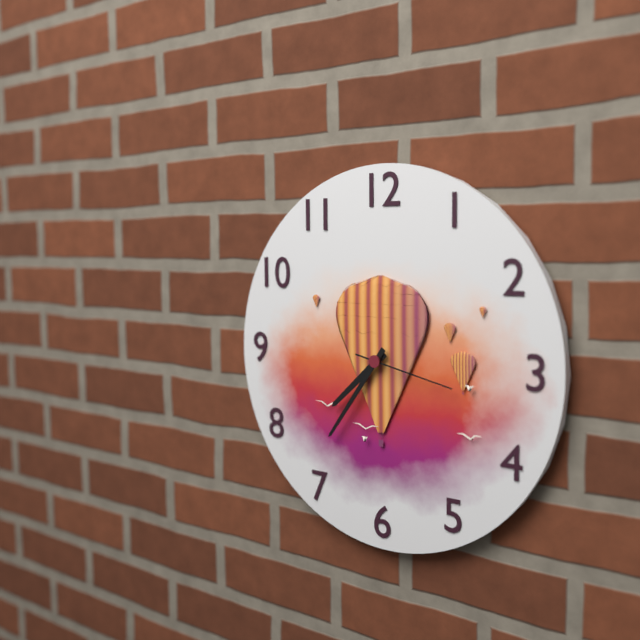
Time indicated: **7:36:17**
